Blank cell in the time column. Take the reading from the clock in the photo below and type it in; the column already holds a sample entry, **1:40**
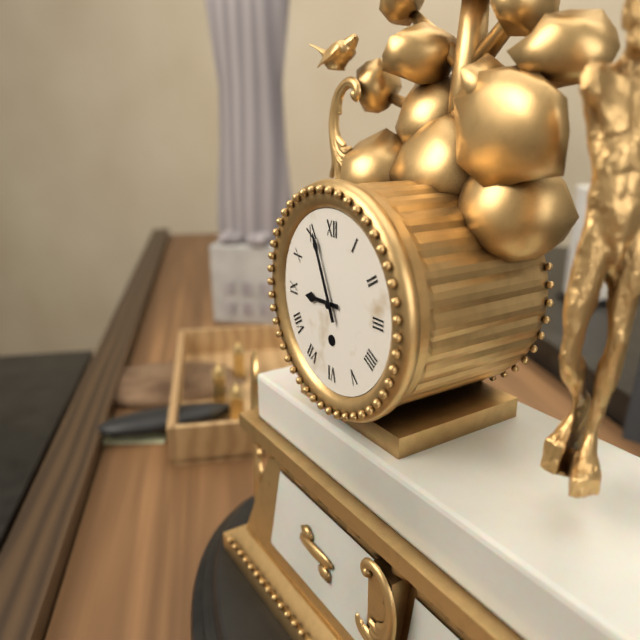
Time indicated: **8:56**
